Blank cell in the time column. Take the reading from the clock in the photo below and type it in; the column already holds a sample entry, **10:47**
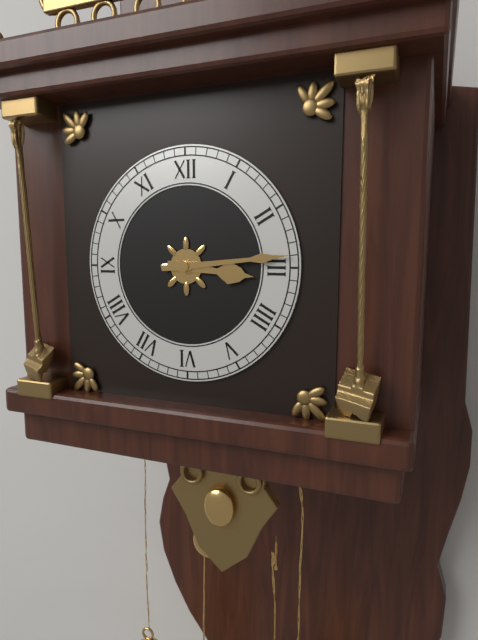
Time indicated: **3:14**
